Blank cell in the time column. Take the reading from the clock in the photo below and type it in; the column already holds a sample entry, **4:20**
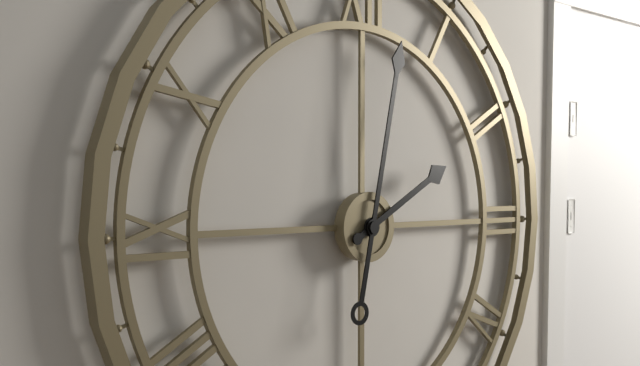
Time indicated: **2:02**
